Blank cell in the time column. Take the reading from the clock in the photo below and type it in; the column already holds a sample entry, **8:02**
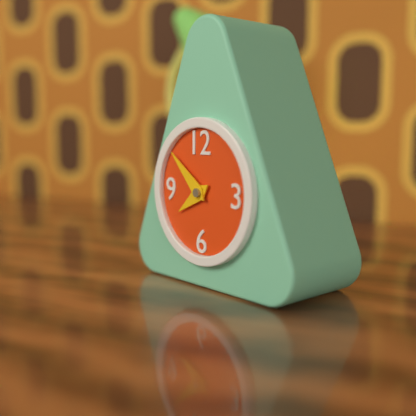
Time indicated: **7:52**
